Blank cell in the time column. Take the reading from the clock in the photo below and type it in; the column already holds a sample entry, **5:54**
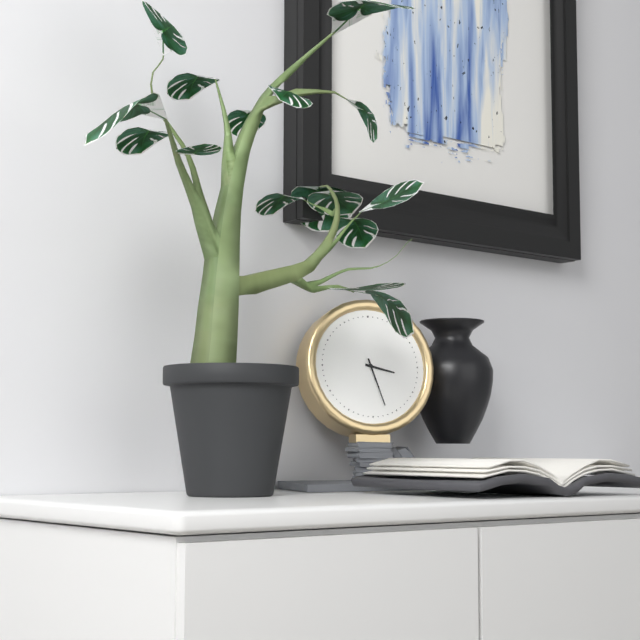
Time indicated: **3:27**
